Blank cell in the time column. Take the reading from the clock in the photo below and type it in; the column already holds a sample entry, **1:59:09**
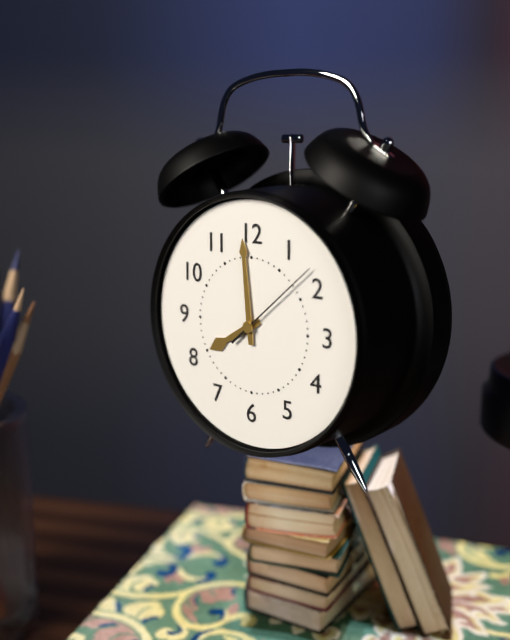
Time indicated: **7:59:08**
